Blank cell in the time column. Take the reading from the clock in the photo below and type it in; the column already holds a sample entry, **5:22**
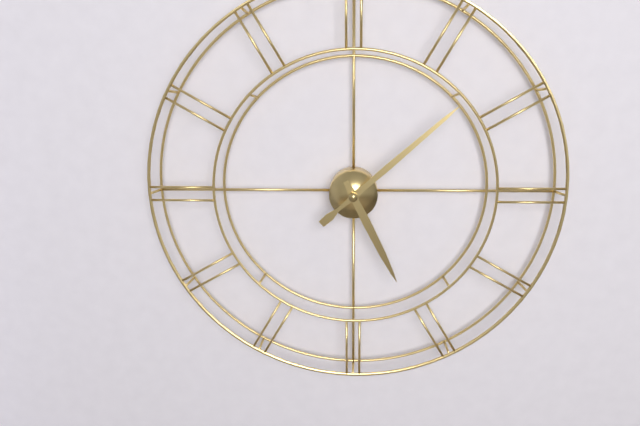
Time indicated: **5:08**
